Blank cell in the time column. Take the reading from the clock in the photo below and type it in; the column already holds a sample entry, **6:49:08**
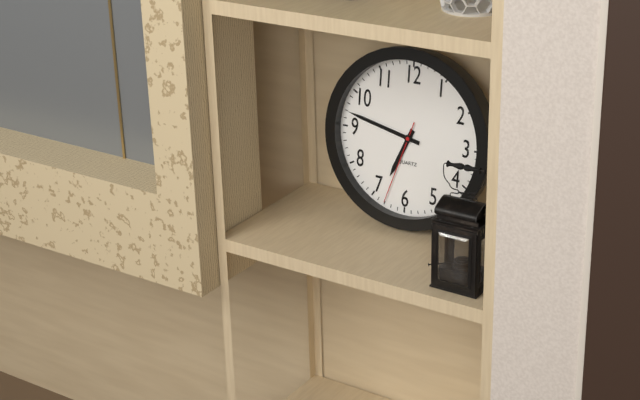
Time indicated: **6:47:33**
